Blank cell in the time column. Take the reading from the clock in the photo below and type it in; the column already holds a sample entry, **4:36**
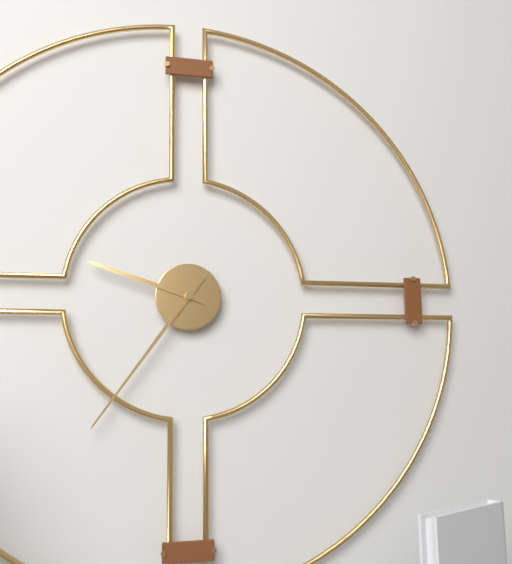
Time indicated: **9:36**
